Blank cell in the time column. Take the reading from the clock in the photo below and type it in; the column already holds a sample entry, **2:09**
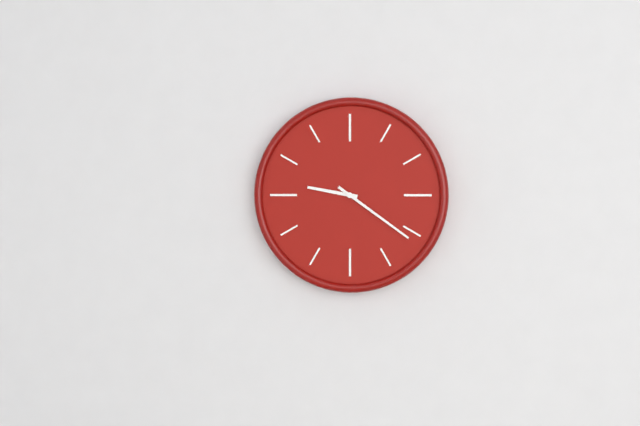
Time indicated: **9:21**
